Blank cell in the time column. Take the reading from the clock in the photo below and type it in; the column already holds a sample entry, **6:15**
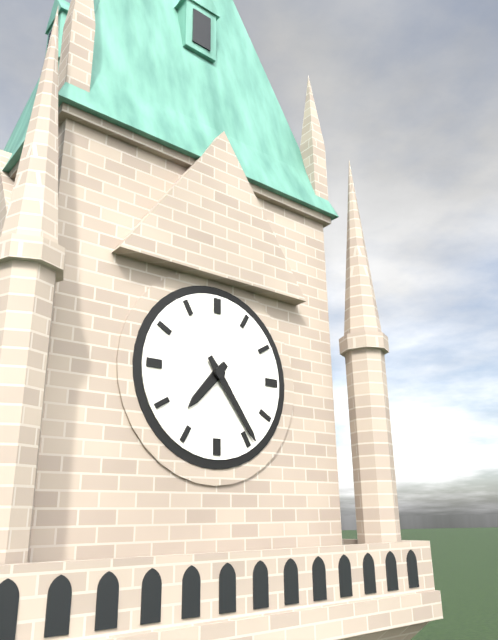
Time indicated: **7:24**
